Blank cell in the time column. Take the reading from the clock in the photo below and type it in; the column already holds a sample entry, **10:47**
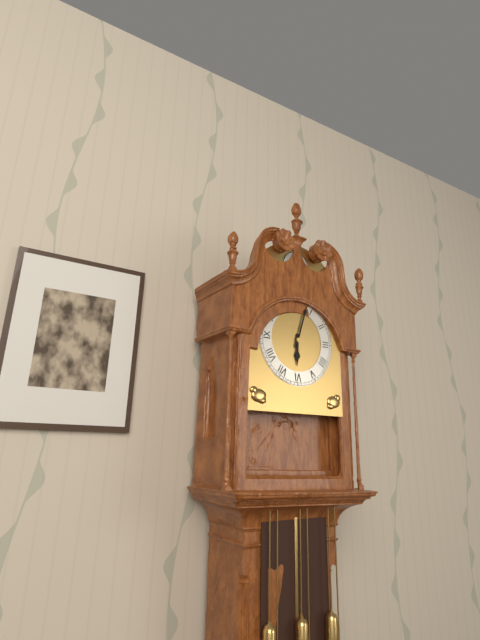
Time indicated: **6:03**
